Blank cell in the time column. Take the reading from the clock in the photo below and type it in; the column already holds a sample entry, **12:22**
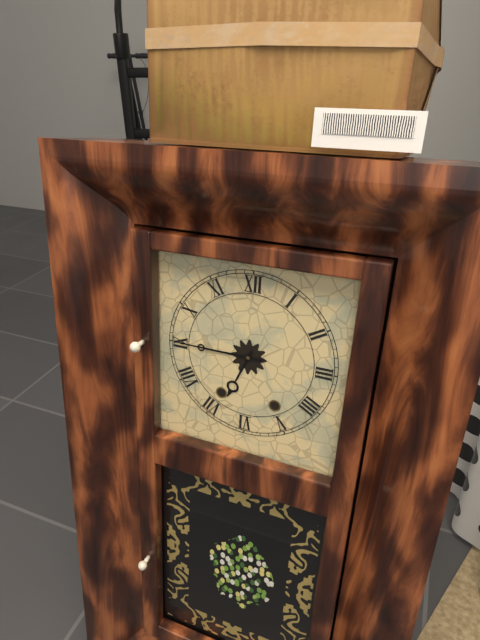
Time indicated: **6:45**
